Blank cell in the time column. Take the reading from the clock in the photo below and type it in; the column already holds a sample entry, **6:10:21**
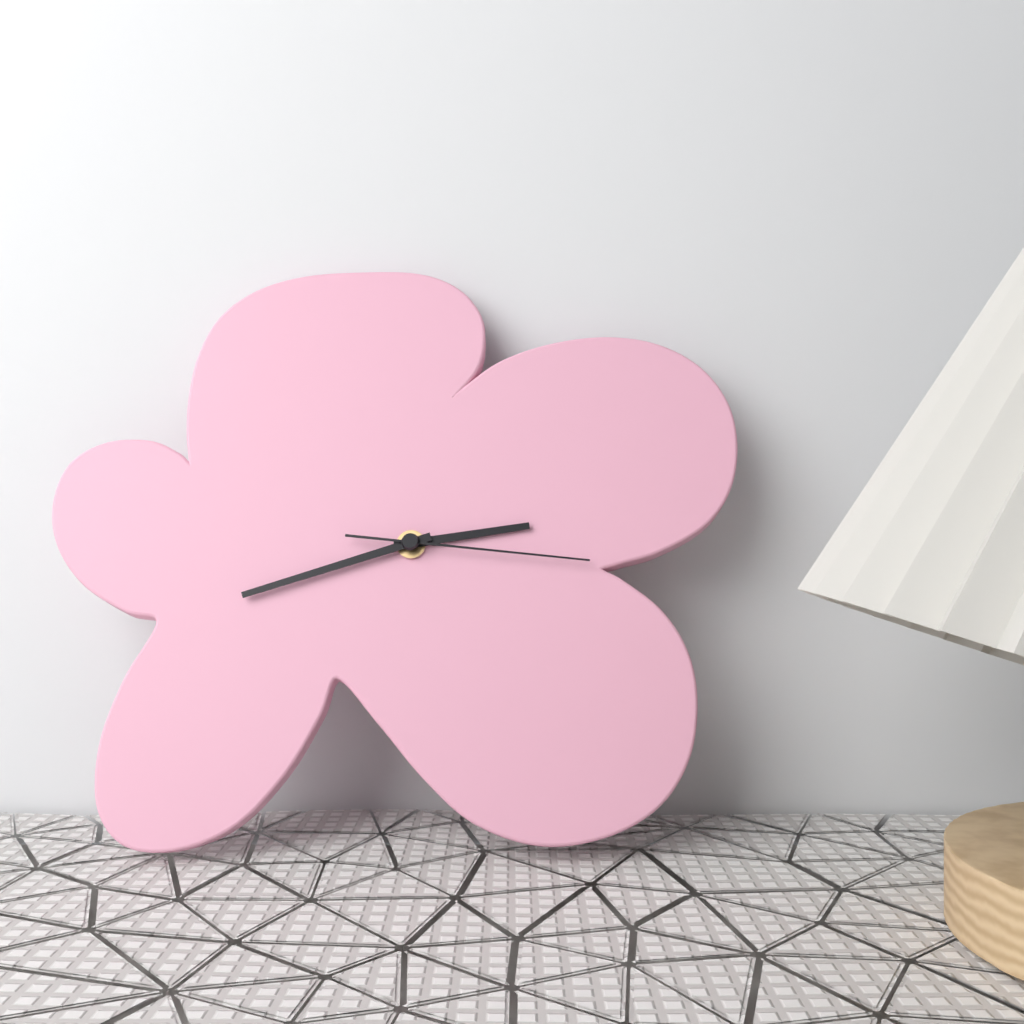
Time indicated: **2:42:16**
